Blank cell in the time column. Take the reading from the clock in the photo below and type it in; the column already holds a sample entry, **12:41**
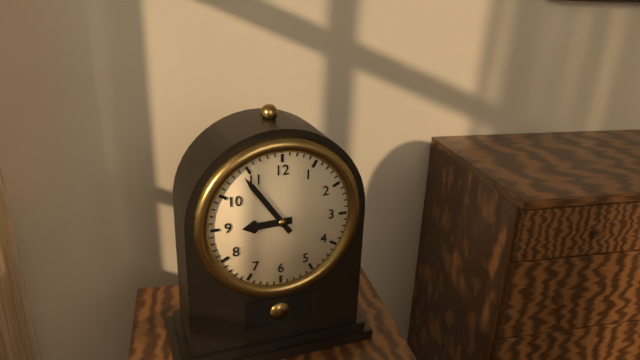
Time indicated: **8:54**
